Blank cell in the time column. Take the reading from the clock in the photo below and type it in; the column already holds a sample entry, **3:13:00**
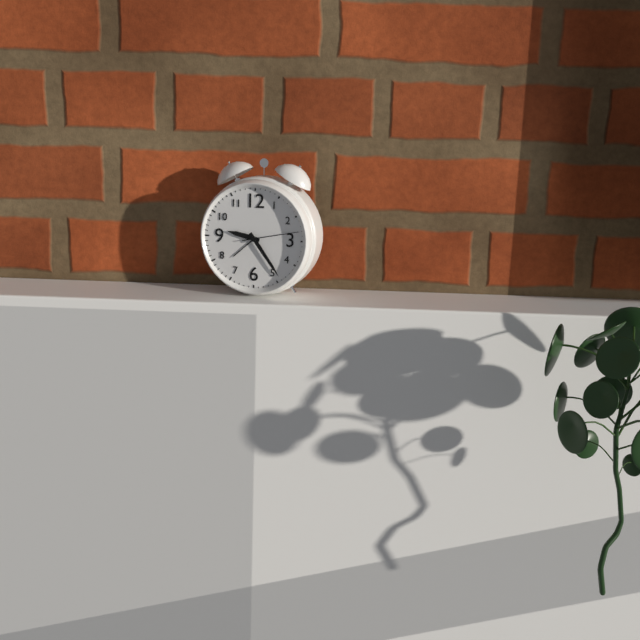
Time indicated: **9:24:13**
